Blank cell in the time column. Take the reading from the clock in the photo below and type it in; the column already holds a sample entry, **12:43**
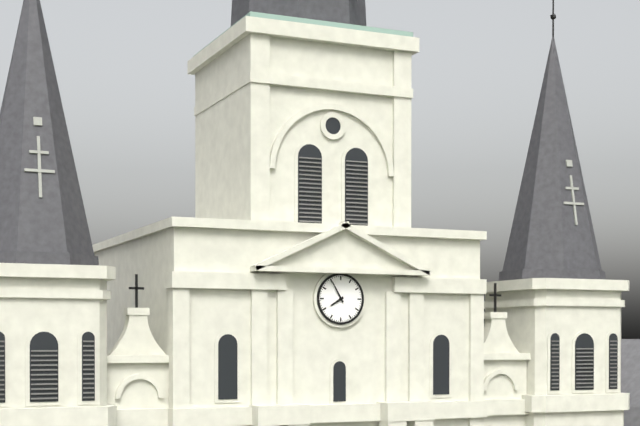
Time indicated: **7:55**
